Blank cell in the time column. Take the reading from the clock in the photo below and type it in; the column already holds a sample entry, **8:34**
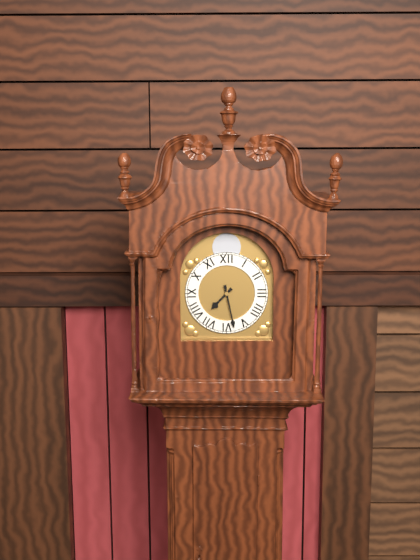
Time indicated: **7:28**
